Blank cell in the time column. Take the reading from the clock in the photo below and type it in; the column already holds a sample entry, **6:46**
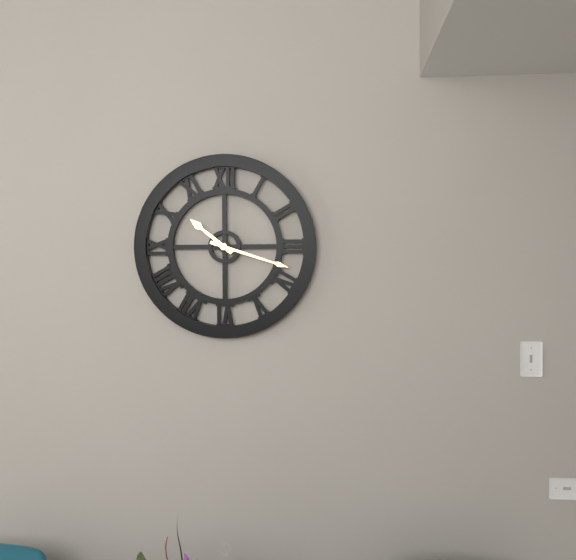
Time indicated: **10:18**
